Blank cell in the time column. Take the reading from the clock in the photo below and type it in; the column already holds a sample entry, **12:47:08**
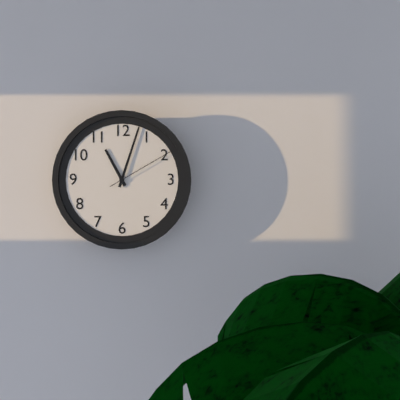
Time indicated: **11:03:10**
